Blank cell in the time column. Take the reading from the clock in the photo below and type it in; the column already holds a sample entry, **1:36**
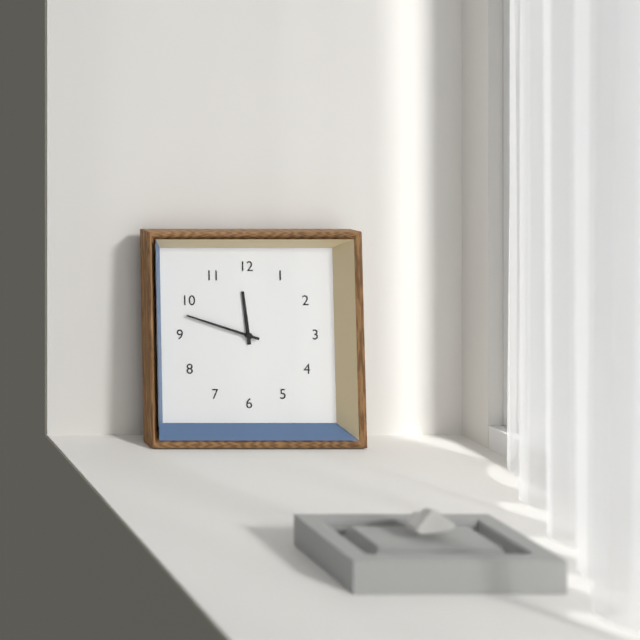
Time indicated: **11:48**
